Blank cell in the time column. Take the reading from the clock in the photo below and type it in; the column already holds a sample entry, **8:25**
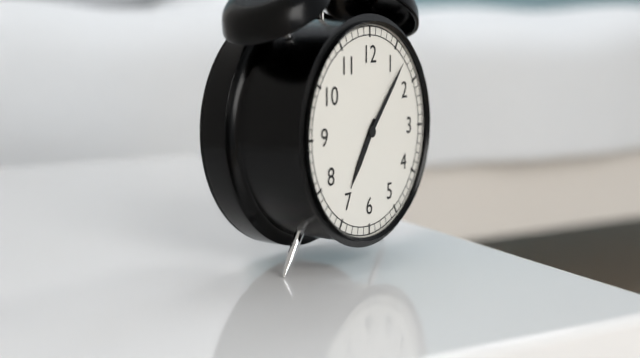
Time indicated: **7:07**
